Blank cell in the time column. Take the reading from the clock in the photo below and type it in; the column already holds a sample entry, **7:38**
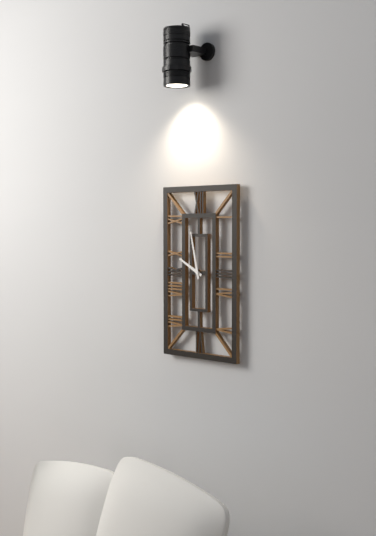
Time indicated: **9:58**
